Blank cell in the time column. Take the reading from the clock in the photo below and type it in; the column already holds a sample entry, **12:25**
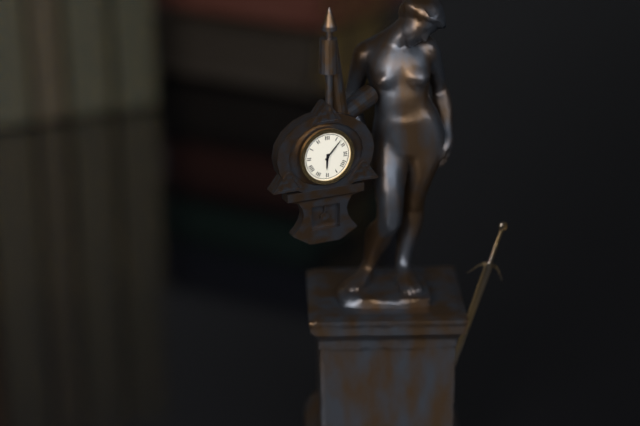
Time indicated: **6:07**
